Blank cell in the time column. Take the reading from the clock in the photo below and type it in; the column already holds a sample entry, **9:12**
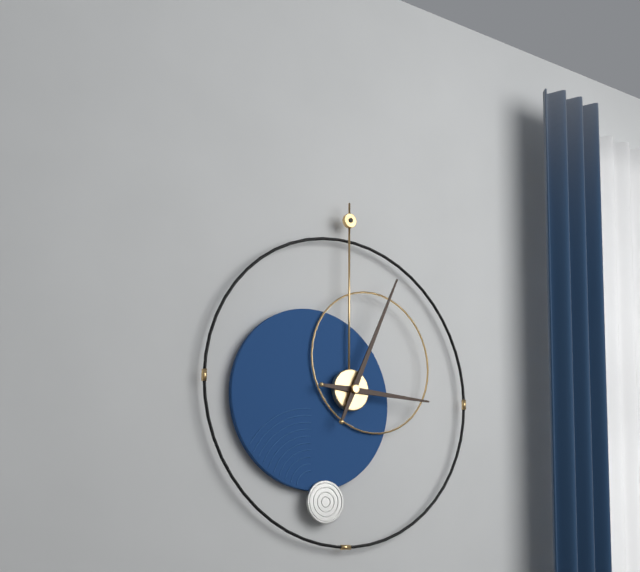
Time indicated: **3:04**
